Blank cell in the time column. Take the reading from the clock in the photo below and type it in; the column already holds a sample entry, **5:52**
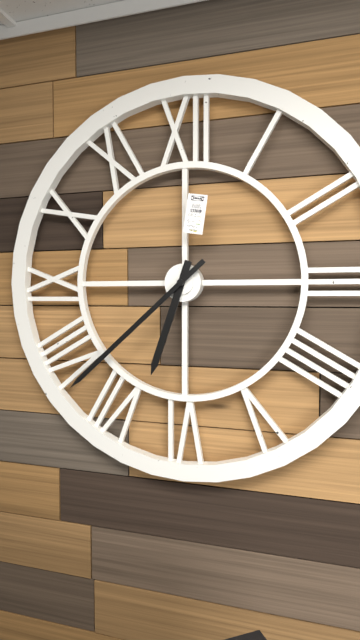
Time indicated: **6:38**
